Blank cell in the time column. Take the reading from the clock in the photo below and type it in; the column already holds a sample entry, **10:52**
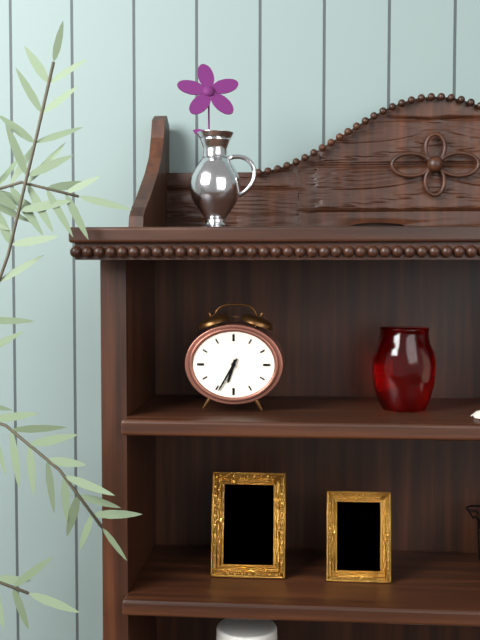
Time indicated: **6:35**
